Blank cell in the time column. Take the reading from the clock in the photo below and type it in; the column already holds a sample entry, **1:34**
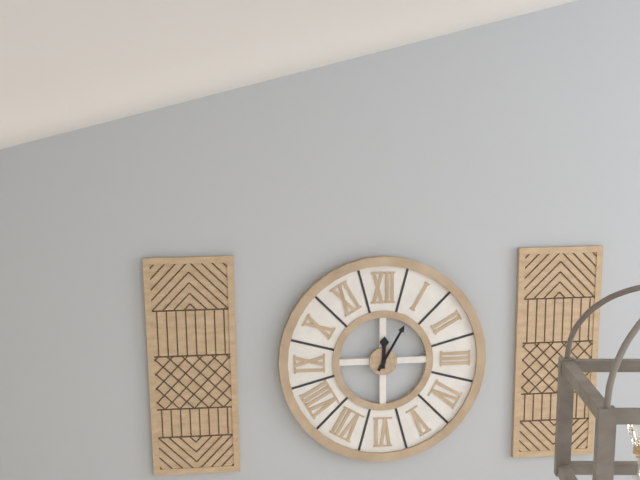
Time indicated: **12:05**
